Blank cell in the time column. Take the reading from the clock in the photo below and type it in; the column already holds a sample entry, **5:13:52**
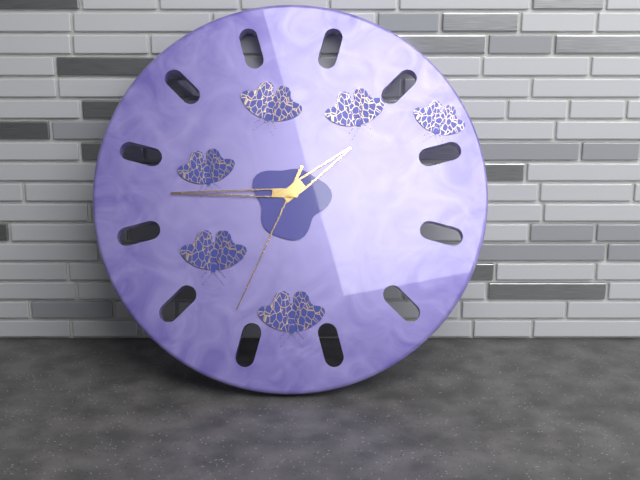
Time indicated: **1:45:34**
